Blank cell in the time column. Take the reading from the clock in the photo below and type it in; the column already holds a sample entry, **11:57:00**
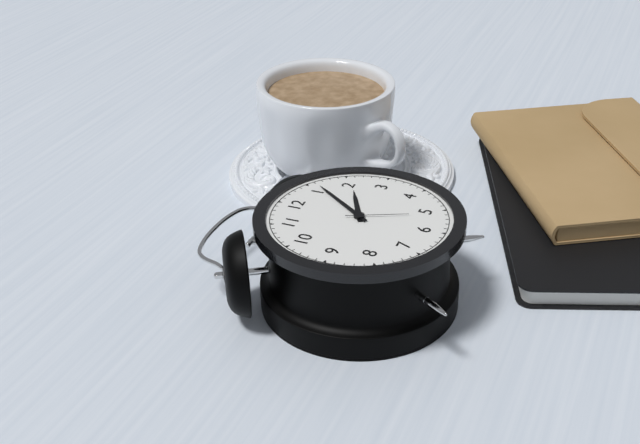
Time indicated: **2:06:26**
